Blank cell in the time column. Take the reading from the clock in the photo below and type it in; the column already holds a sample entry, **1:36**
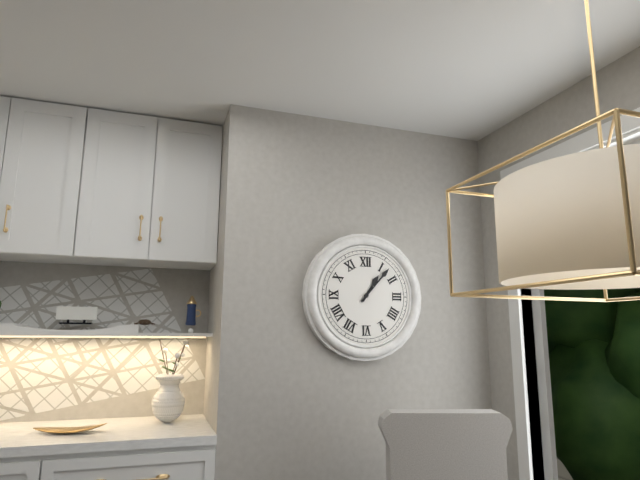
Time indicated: **1:07**
